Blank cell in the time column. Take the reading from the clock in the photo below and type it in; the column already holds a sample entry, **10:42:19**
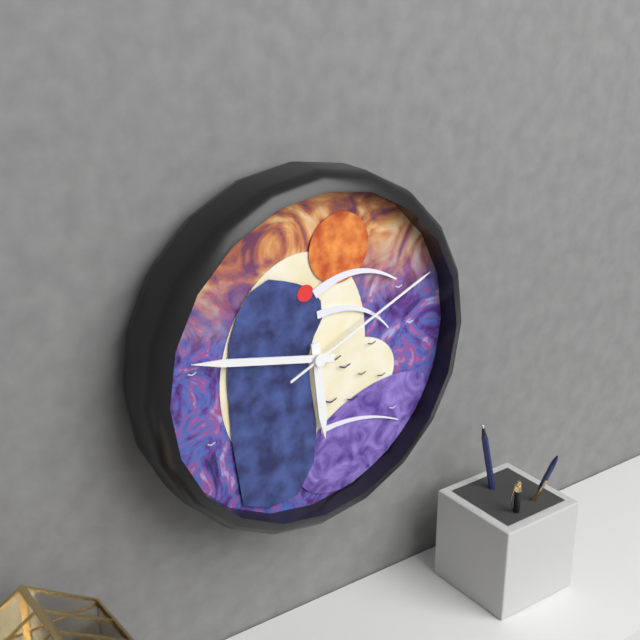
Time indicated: **5:47:11**
